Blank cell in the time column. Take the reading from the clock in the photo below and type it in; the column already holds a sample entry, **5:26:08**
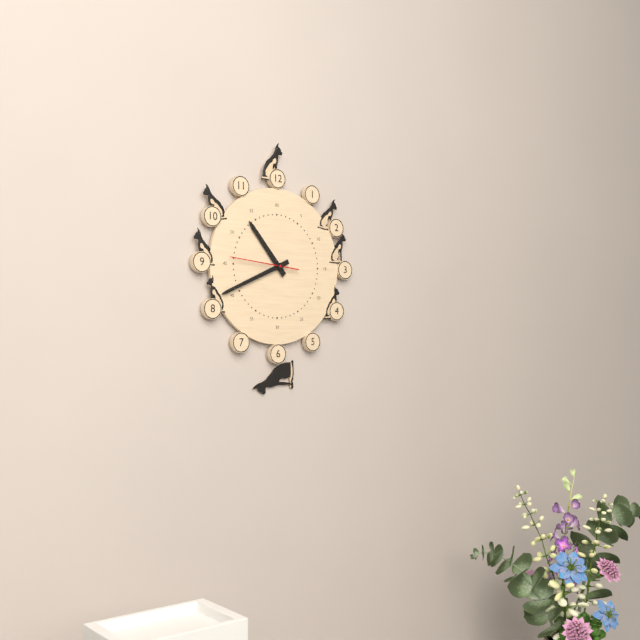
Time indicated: **10:41:46**
